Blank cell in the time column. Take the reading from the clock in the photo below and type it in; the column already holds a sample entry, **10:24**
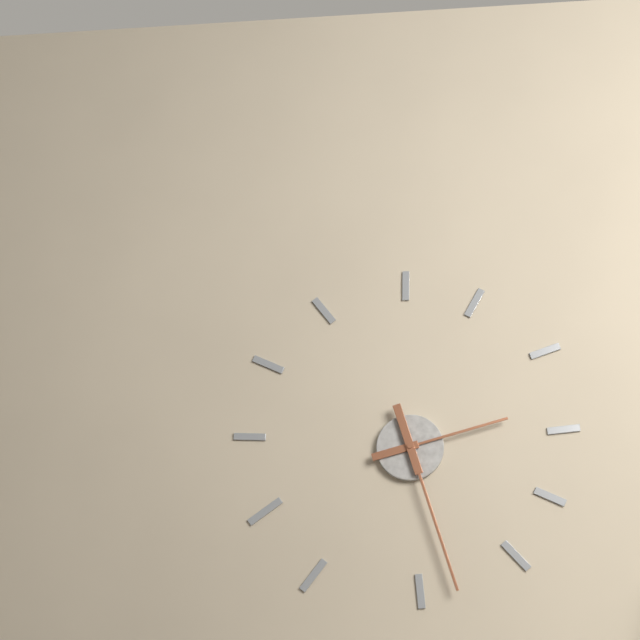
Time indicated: **2:27**
